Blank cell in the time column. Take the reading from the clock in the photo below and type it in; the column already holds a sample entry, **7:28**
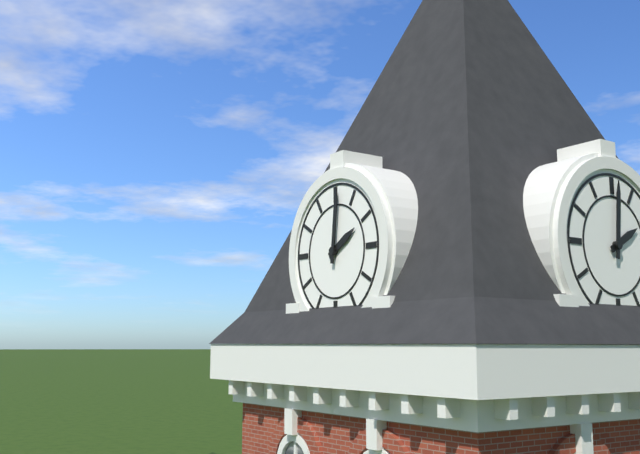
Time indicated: **2:01**
